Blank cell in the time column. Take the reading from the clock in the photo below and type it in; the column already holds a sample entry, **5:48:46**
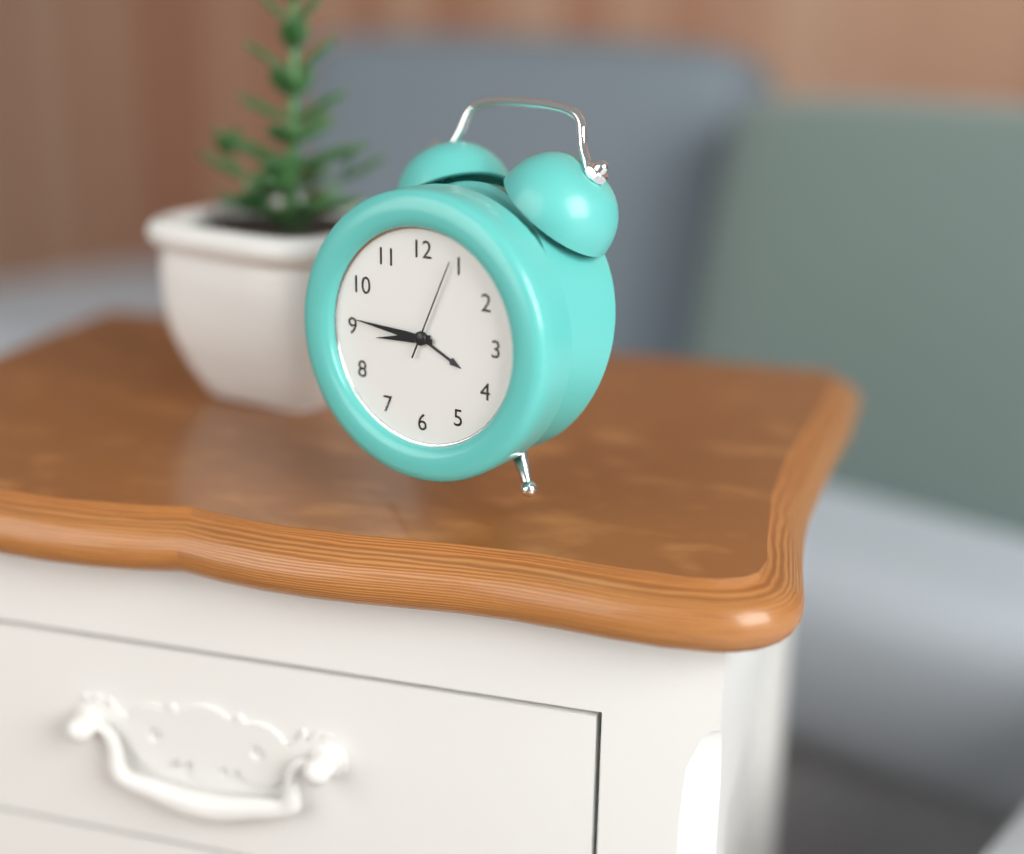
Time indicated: **8:46:04**
